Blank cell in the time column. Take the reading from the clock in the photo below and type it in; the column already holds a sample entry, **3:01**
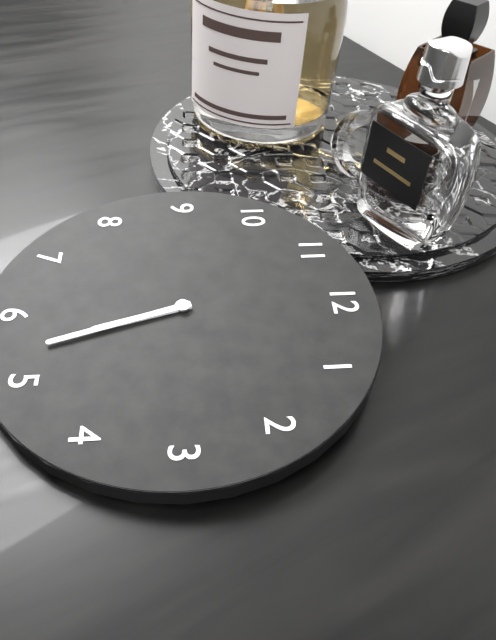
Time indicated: **5:27**
